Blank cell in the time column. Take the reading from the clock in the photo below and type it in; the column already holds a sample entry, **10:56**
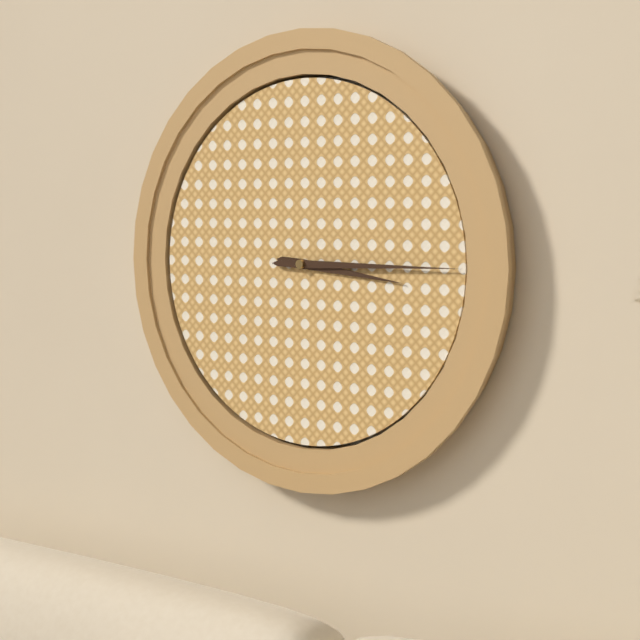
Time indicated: **3:15**
